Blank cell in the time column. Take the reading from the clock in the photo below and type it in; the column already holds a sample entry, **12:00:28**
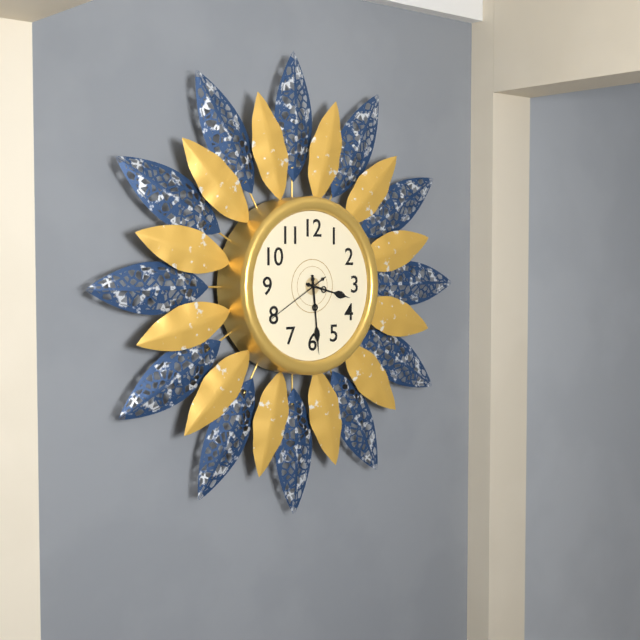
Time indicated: **3:29:40**
